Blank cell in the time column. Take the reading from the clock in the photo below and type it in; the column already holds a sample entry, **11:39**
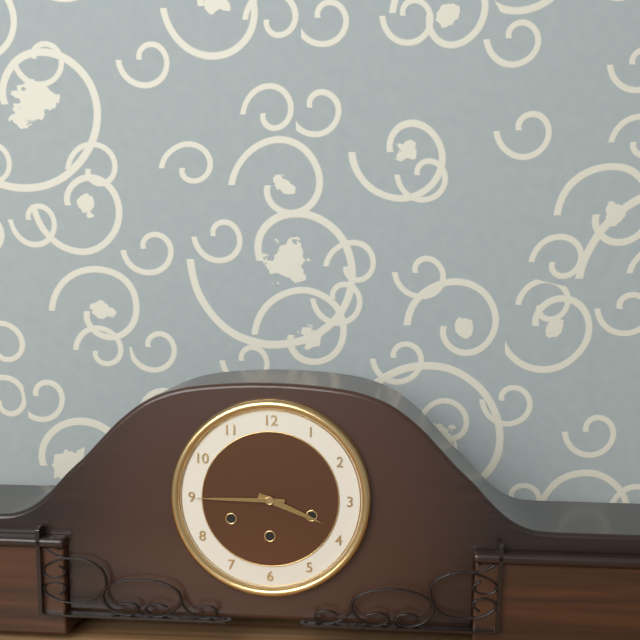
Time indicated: **3:45**
